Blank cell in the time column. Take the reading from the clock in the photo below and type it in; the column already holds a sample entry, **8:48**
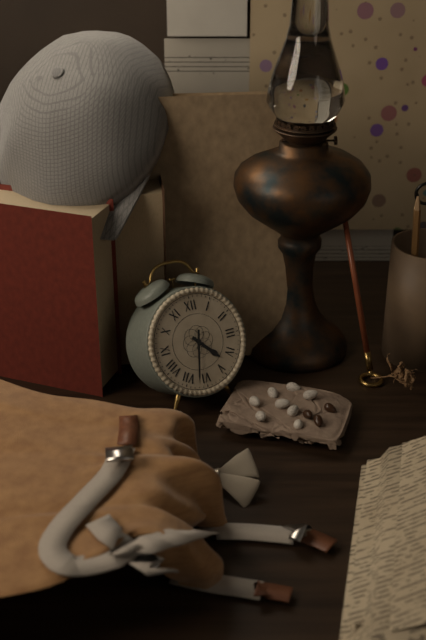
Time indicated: **4:32**
